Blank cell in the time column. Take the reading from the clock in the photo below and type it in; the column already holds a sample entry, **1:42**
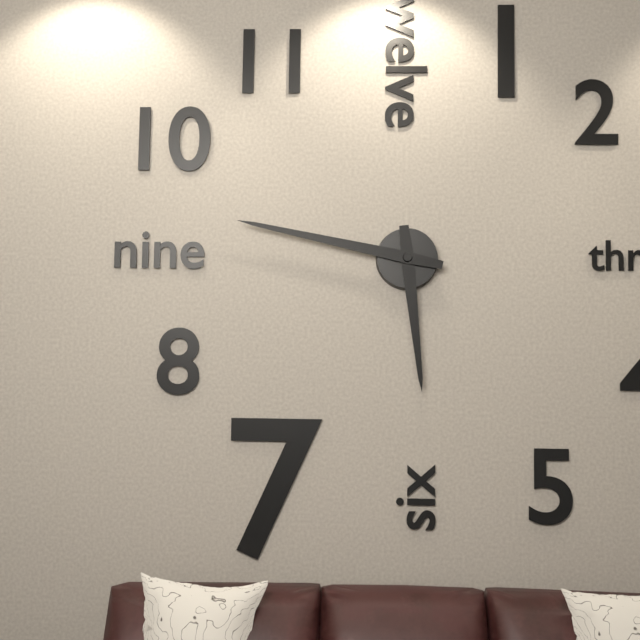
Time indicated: **5:47**
